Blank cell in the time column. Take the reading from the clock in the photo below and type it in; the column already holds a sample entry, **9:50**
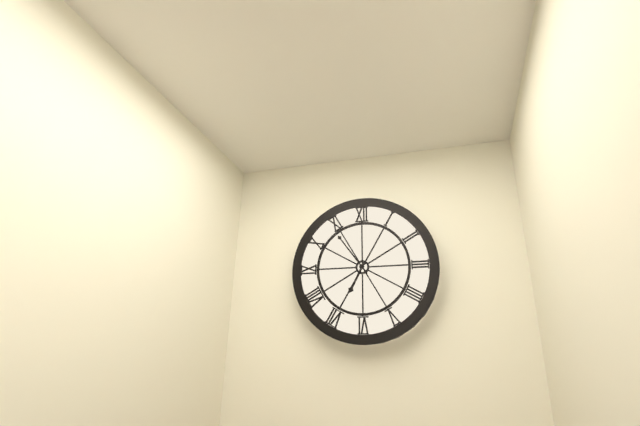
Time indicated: **6:54**
